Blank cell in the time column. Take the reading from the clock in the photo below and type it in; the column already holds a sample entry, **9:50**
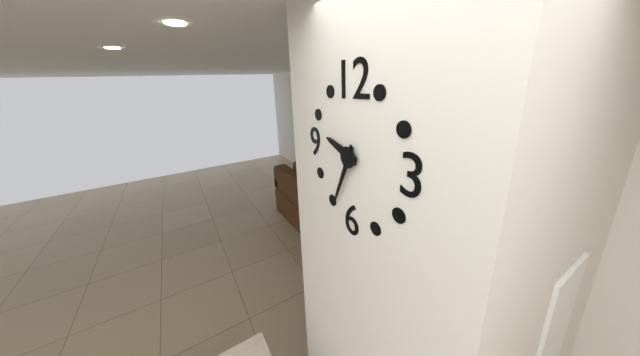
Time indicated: **9:34**
